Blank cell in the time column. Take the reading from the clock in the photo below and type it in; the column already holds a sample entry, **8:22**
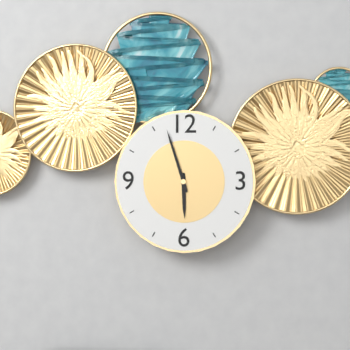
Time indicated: **5:57**
